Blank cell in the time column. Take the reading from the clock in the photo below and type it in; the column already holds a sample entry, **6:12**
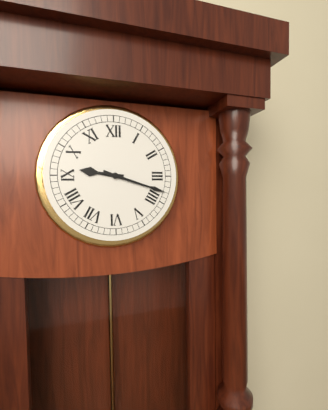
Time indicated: **9:18**
